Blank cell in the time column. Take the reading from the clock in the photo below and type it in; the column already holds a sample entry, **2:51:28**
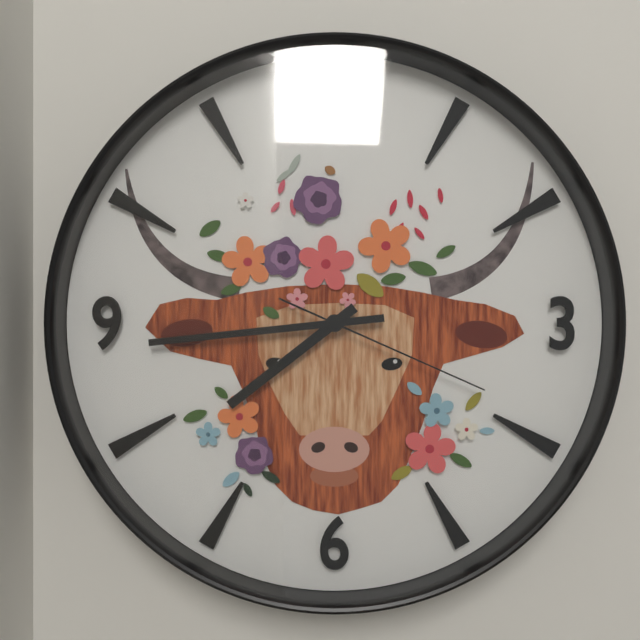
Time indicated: **7:44:19**
